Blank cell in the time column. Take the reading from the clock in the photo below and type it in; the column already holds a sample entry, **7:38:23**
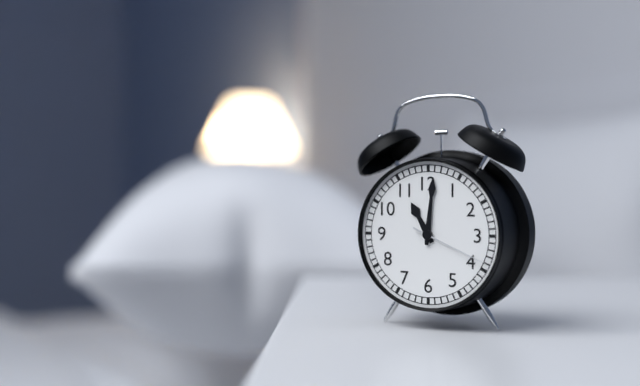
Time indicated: **11:01:19**
